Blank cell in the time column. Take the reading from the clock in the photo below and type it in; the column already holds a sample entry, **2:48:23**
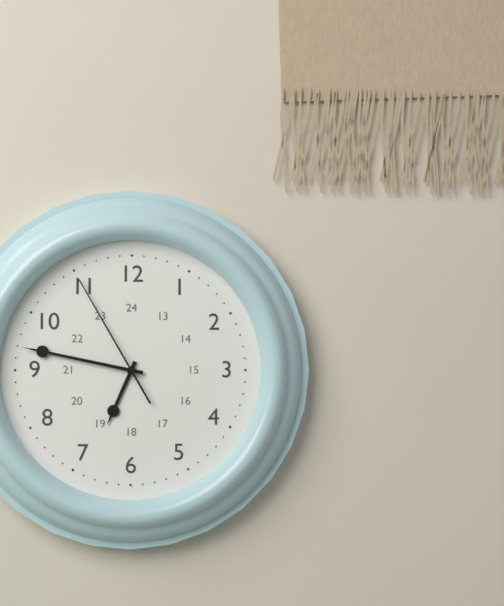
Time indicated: **6:47:55**
